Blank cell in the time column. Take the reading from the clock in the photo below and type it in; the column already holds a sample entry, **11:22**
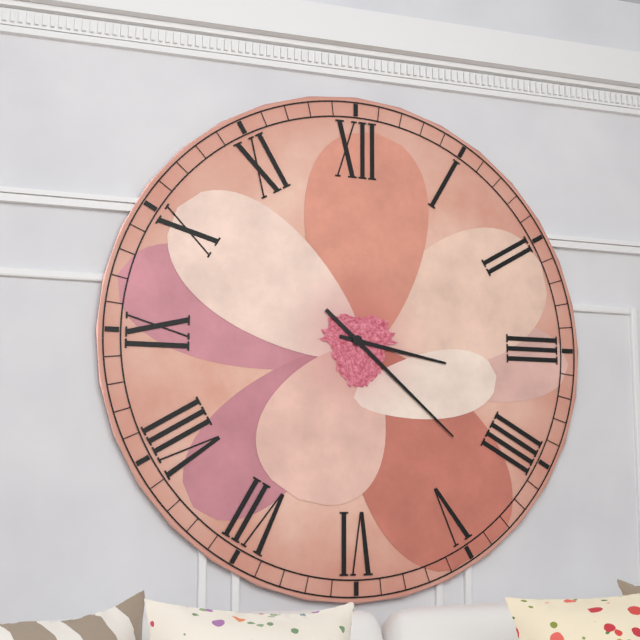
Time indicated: **3:22**
